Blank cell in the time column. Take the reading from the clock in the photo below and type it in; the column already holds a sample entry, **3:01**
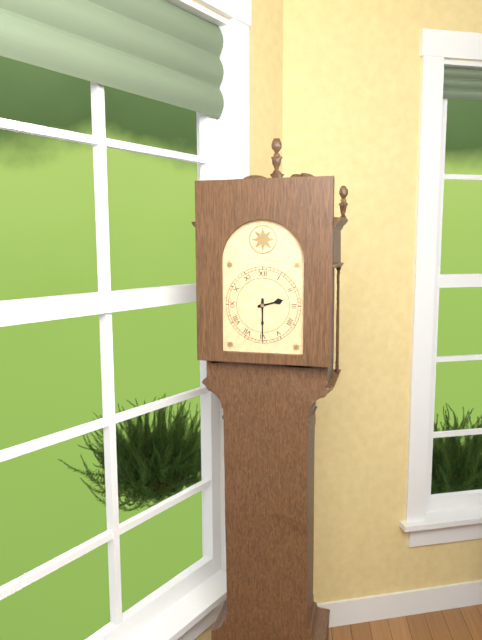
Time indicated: **2:30**
